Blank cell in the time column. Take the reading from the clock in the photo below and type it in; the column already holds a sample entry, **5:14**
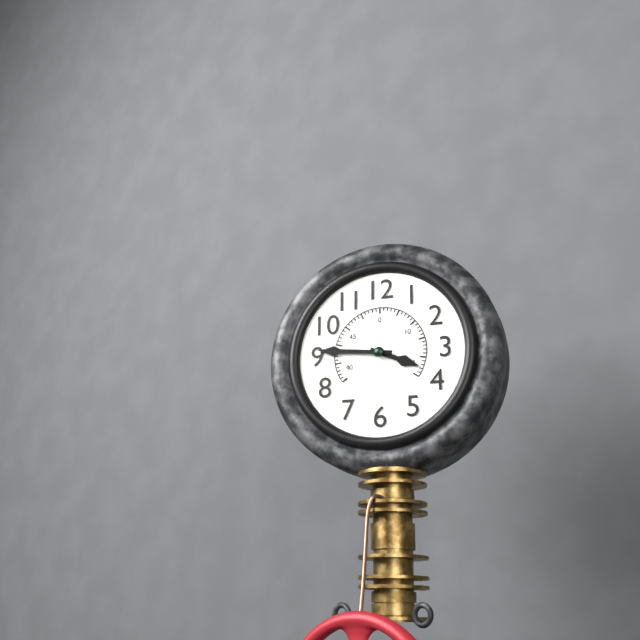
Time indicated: **3:46**
